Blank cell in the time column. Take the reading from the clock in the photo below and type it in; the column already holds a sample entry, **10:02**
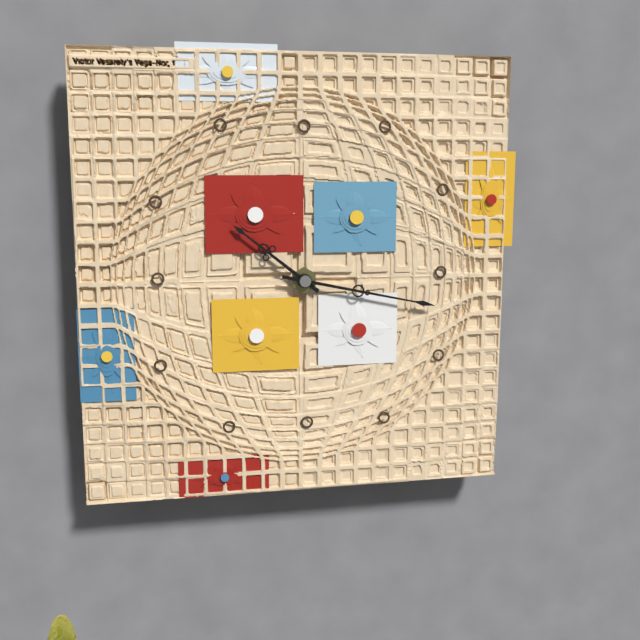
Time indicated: **10:17**
